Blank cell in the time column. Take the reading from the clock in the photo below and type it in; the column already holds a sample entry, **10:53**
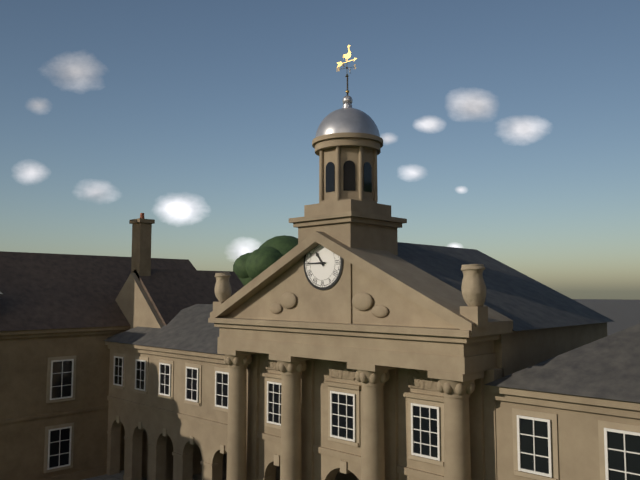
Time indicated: **10:45**
